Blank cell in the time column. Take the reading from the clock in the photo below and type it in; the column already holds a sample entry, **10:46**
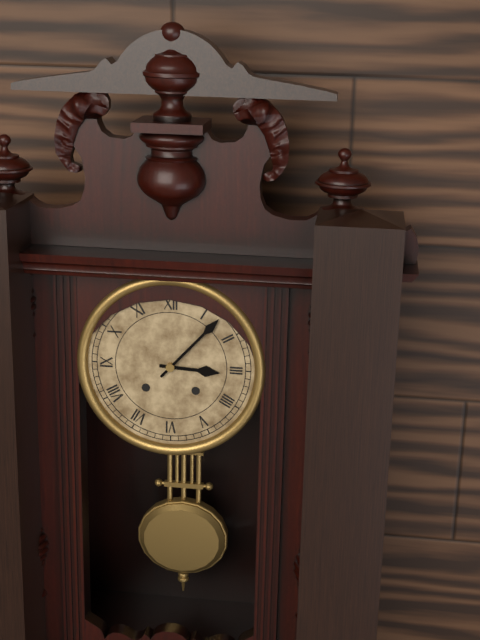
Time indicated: **3:07**
